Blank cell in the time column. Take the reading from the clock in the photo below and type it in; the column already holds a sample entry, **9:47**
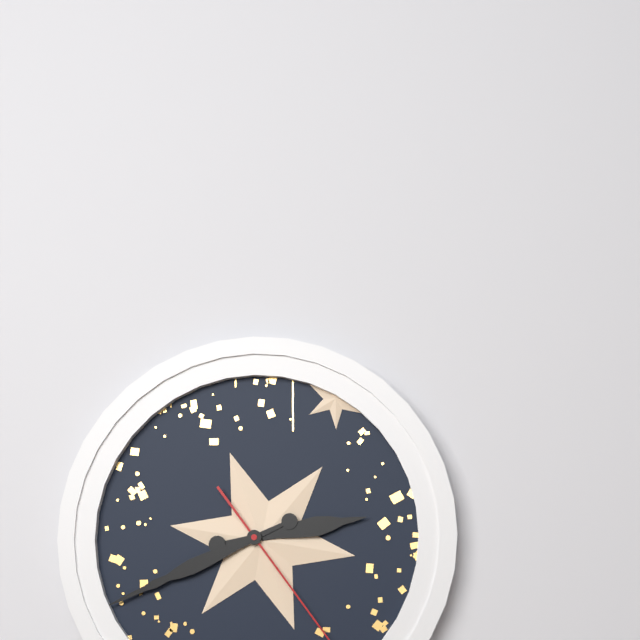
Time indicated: **2:41**
